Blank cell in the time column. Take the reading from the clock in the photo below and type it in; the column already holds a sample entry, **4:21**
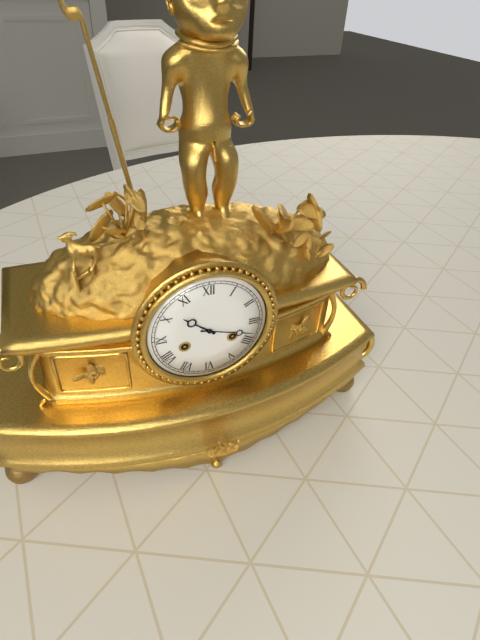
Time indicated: **10:18**
